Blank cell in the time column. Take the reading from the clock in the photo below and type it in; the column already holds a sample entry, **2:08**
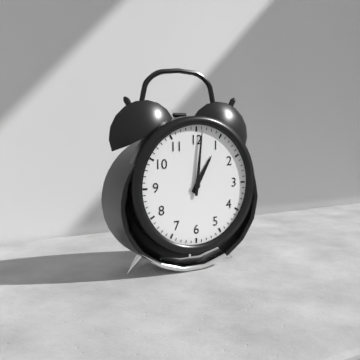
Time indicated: **1:01**
